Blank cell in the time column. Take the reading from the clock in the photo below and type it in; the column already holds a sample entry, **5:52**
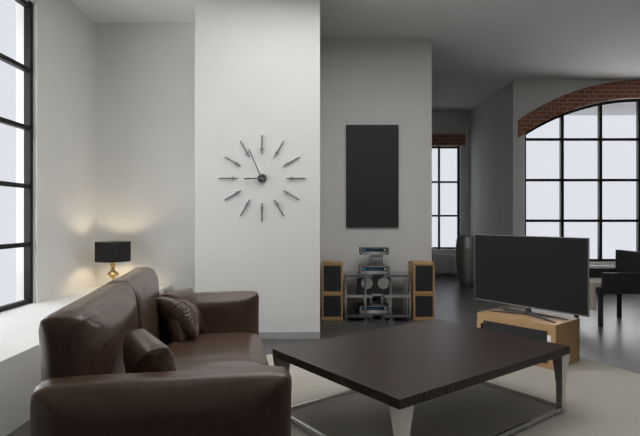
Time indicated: **8:56**
